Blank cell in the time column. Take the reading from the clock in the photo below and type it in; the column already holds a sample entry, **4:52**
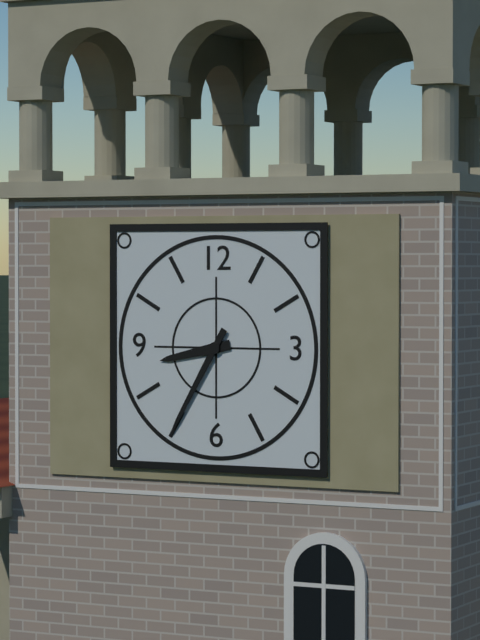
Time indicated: **8:35**
